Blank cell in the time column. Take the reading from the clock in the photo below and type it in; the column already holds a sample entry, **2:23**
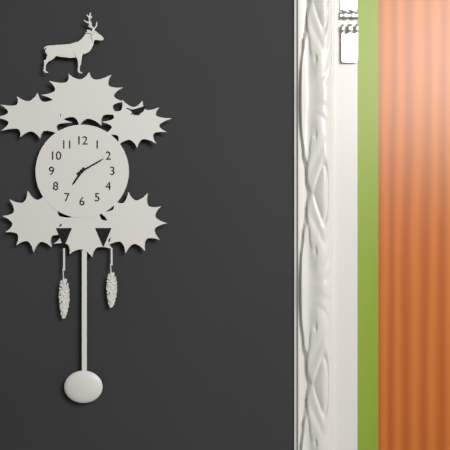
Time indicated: **7:10**
